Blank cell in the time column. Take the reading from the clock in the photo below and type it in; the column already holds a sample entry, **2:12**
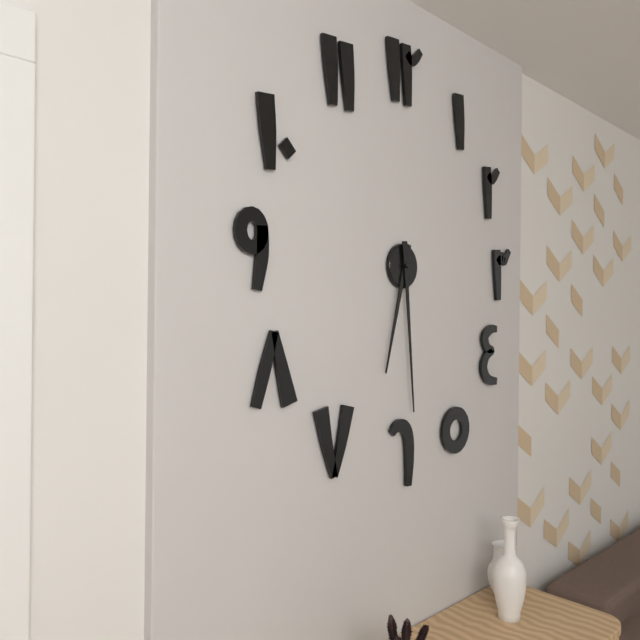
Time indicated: **6:29**
